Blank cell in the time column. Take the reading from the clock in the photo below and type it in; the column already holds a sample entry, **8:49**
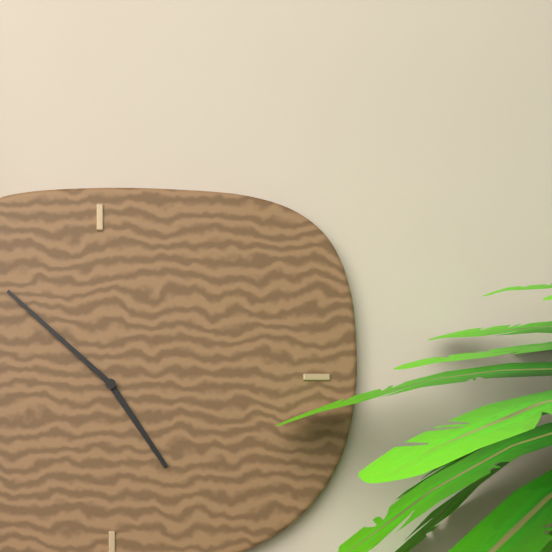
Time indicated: **4:52**
